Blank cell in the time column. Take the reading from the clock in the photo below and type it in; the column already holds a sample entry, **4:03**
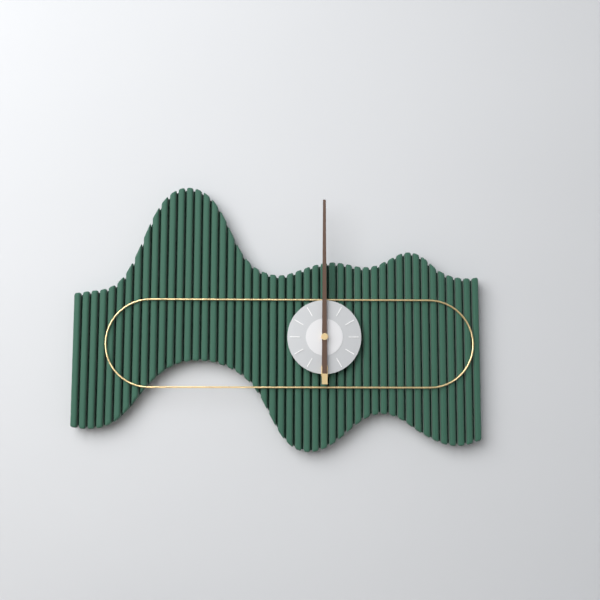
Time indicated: **12:00**
